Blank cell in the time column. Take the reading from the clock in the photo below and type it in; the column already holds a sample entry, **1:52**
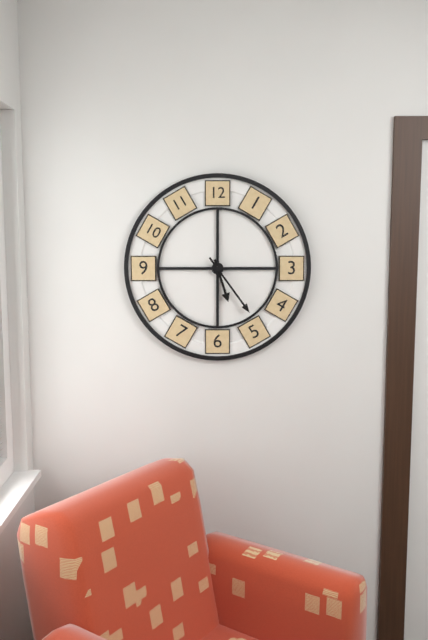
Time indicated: **5:24**
